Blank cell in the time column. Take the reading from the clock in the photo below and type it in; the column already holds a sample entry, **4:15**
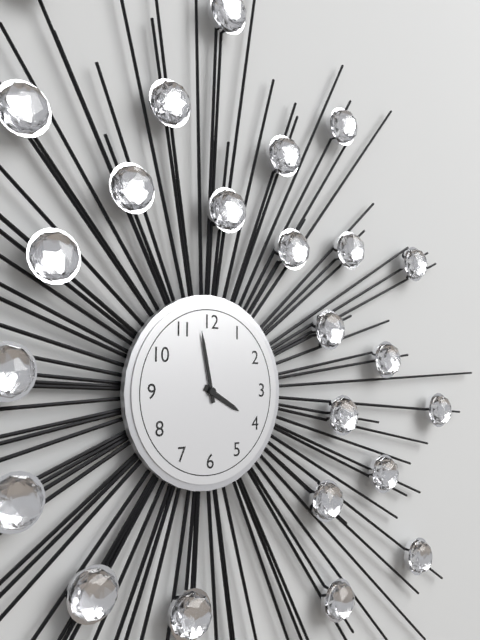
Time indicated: **3:58**
